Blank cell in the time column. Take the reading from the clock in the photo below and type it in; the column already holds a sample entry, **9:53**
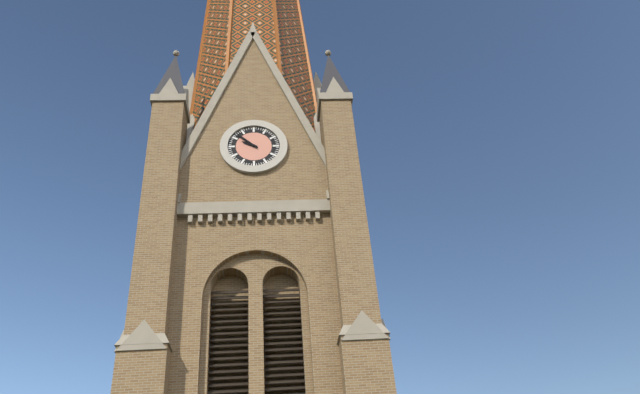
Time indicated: **9:52**
